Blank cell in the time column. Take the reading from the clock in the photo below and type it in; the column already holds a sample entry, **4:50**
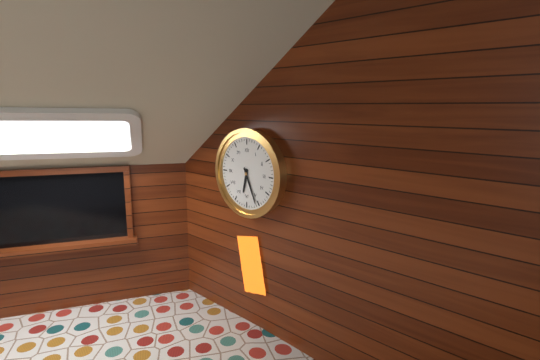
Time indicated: **6:26**
